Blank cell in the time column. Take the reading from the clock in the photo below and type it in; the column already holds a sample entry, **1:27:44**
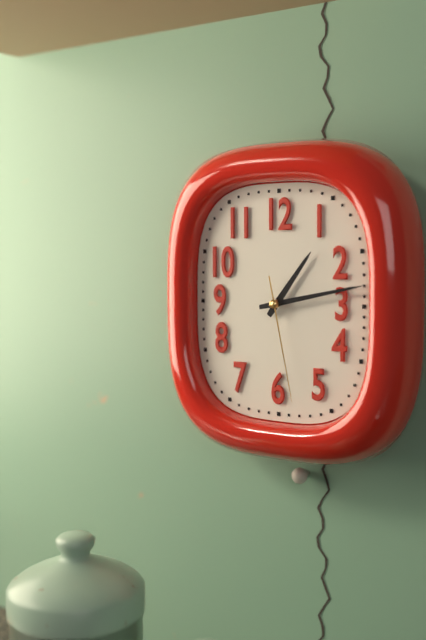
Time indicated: **1:13:28**
